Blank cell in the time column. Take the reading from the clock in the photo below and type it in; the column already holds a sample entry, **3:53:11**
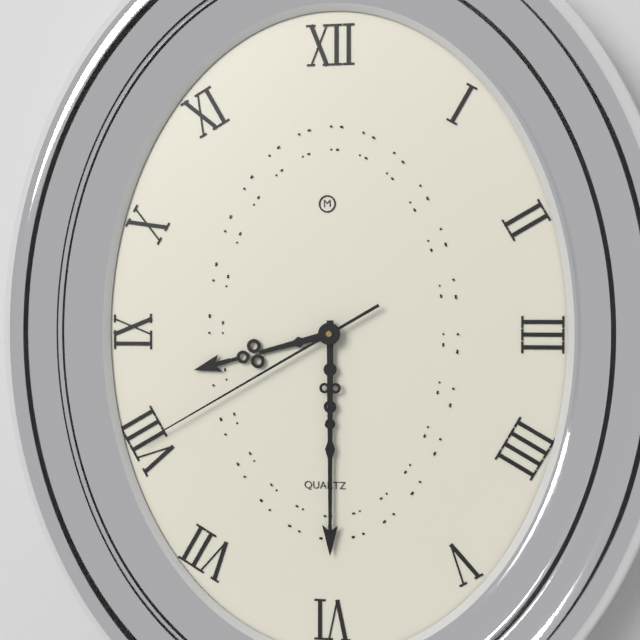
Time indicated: **8:30:40**
